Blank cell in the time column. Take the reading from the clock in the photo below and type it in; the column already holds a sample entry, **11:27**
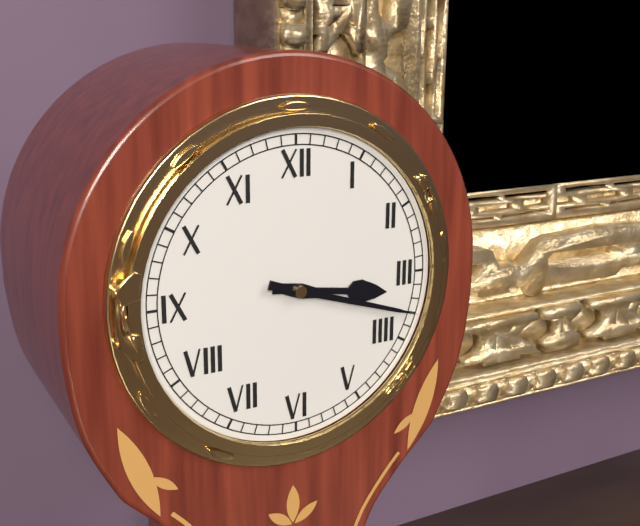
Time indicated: **3:18**
